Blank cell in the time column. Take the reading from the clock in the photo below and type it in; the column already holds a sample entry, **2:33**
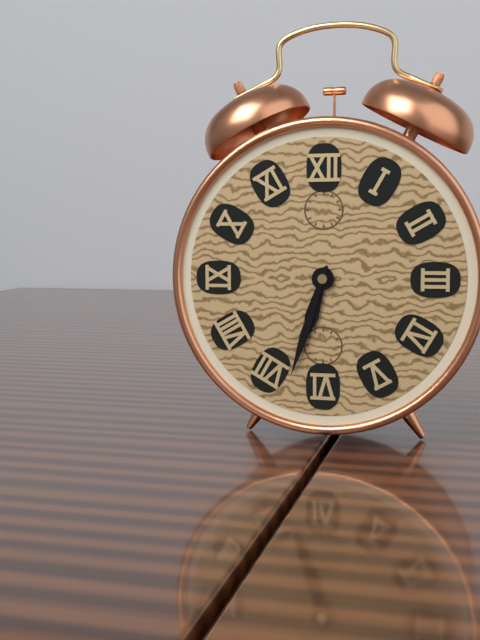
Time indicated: **6:33**
